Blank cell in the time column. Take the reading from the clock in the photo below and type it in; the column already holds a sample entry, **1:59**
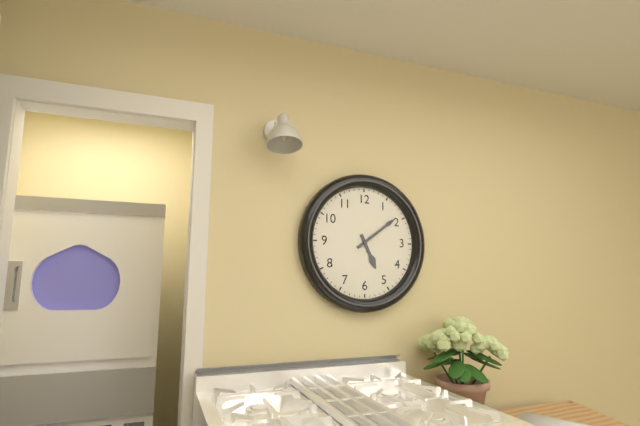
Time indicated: **5:09**
